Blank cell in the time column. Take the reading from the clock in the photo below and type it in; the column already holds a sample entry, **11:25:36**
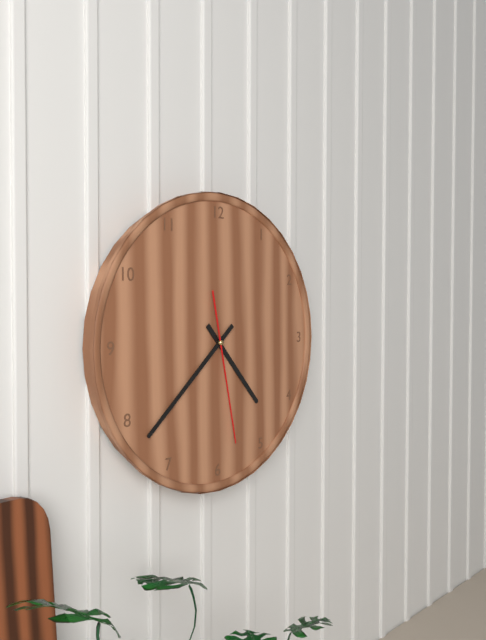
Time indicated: **4:38:28**
